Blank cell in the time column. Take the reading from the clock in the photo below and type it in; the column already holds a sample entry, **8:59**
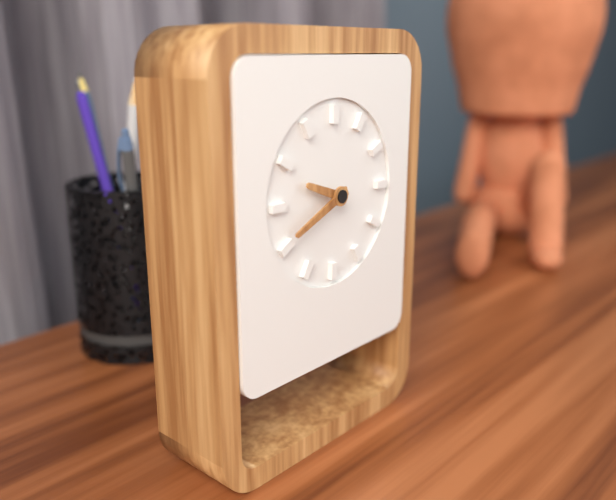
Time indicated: **9:41**
